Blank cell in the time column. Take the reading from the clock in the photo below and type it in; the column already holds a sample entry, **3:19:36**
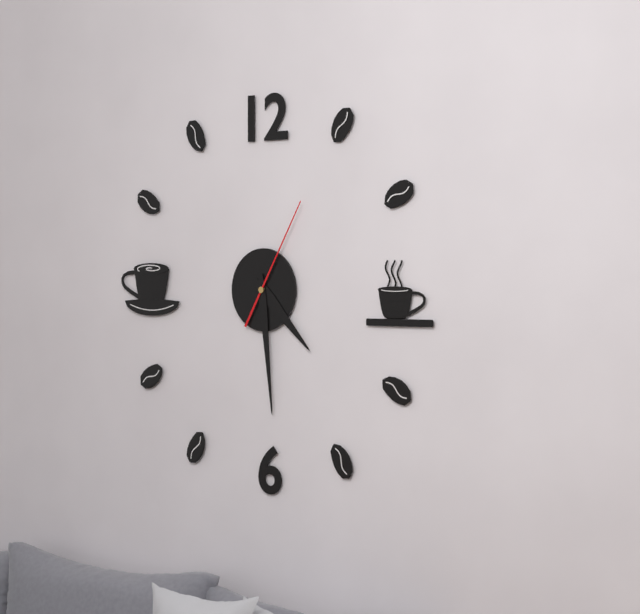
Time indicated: **4:29:05**
